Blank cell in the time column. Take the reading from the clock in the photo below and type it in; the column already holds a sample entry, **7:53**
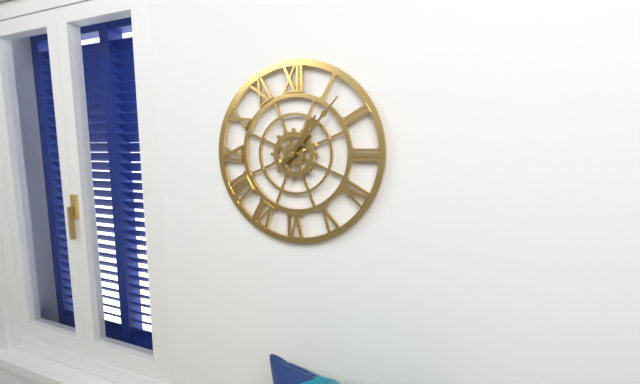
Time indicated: **1:07**
